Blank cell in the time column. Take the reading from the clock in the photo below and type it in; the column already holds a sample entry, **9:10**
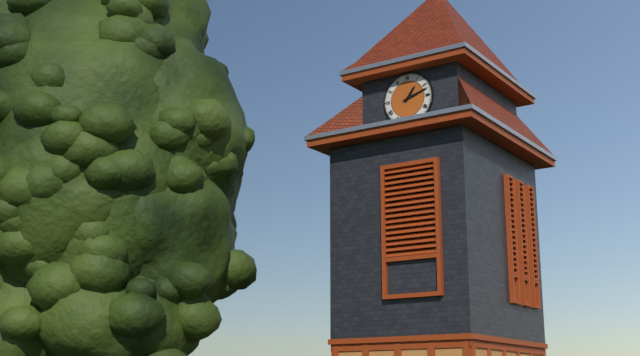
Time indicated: **1:12**
